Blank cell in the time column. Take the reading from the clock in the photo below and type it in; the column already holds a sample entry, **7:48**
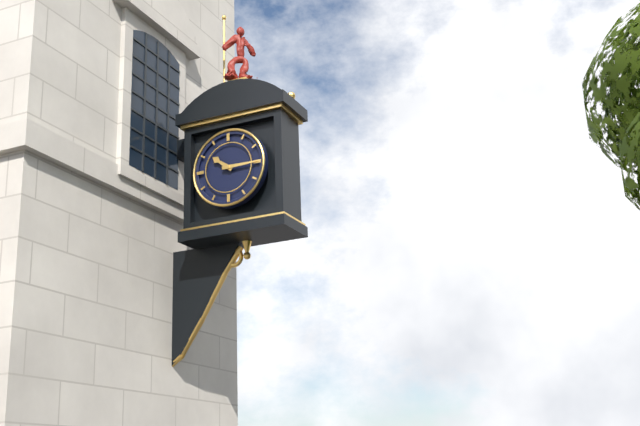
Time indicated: **10:15**
